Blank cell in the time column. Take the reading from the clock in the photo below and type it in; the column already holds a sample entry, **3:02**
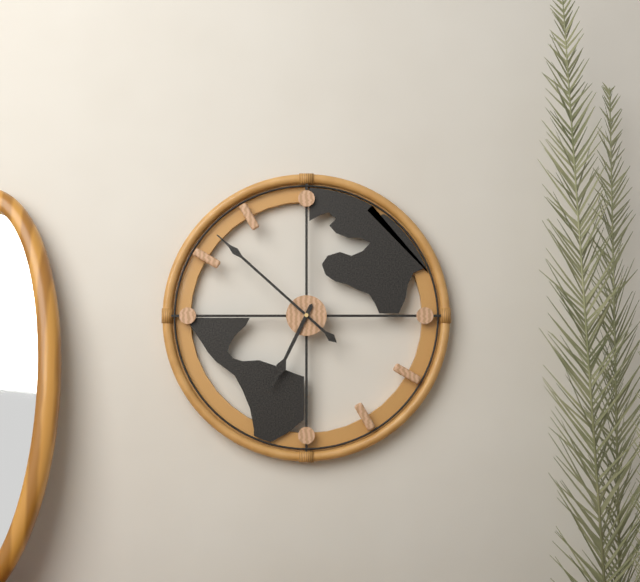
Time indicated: **6:52**
